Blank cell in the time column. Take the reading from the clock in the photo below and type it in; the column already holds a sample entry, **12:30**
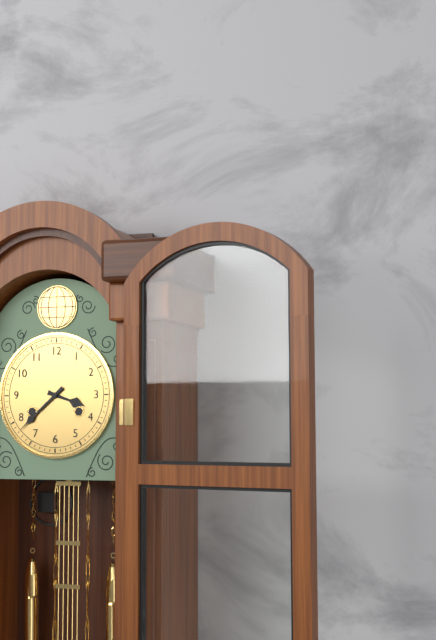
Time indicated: **3:38**
